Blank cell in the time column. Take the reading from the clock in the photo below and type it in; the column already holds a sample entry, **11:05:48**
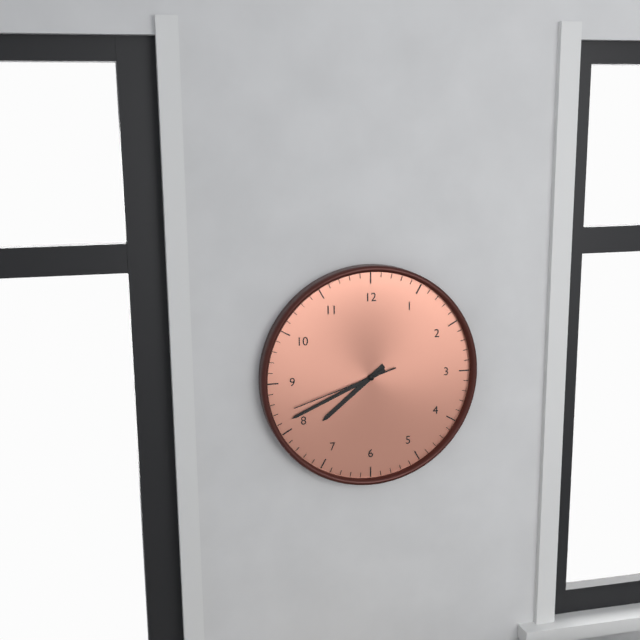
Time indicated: **7:41:42**
